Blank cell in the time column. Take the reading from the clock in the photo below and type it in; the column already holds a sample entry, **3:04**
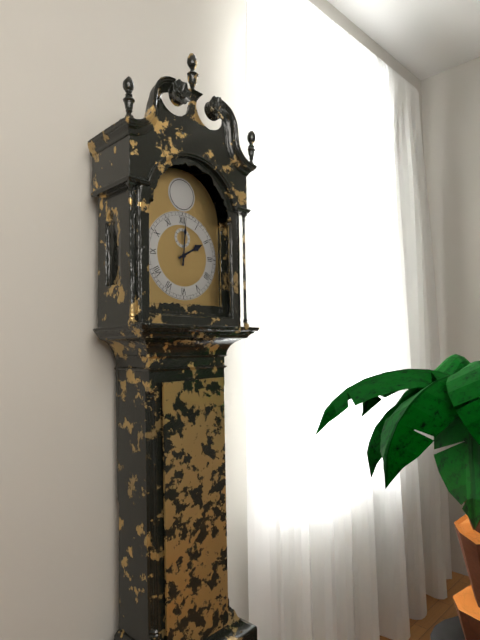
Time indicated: **2:01**
